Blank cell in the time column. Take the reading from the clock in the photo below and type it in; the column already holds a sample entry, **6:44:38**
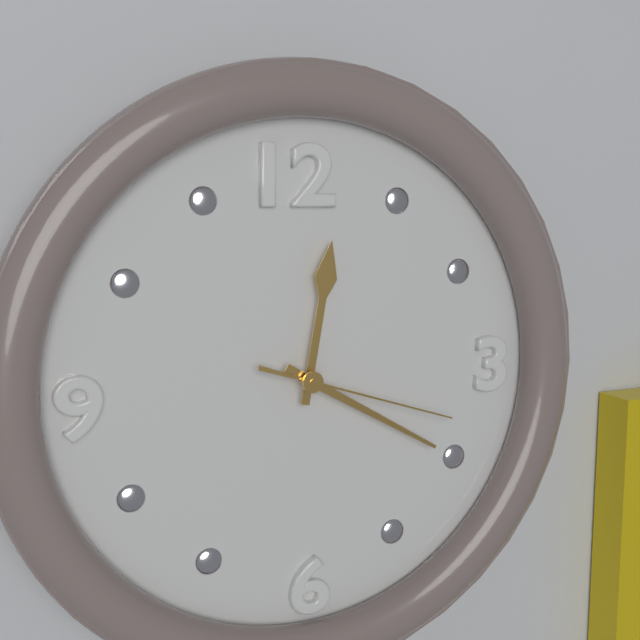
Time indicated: **12:20:18**
